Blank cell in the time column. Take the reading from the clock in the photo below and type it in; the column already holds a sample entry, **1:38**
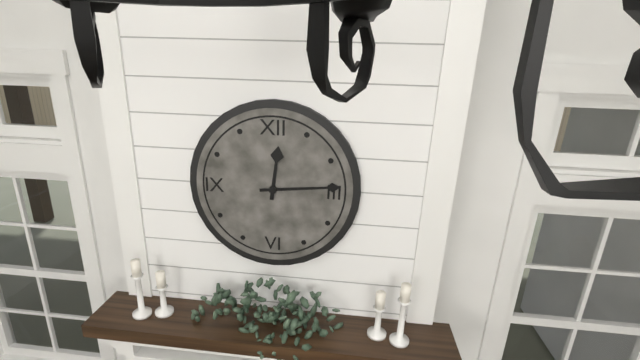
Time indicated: **12:14**
